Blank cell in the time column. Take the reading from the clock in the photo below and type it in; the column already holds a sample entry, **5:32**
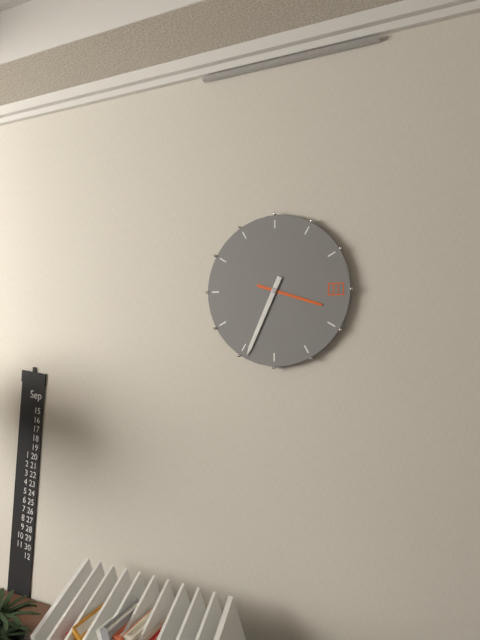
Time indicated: **3:34**
